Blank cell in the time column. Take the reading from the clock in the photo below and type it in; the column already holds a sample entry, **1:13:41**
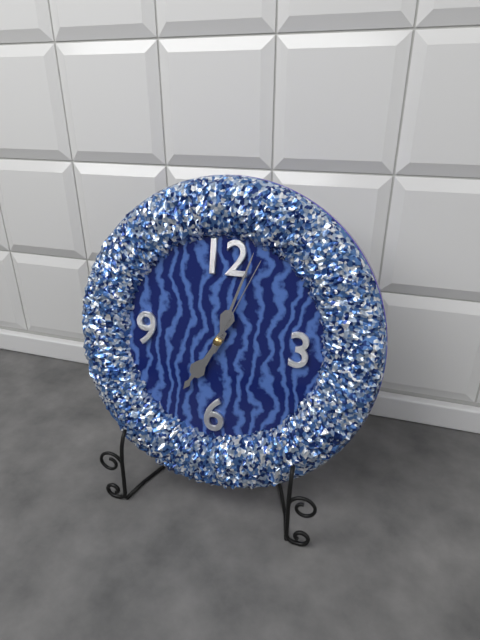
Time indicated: **7:03:04**
